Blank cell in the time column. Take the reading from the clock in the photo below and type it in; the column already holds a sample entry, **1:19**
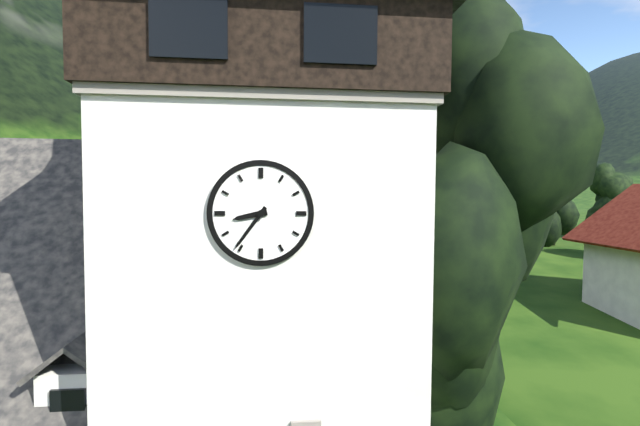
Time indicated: **8:36**
